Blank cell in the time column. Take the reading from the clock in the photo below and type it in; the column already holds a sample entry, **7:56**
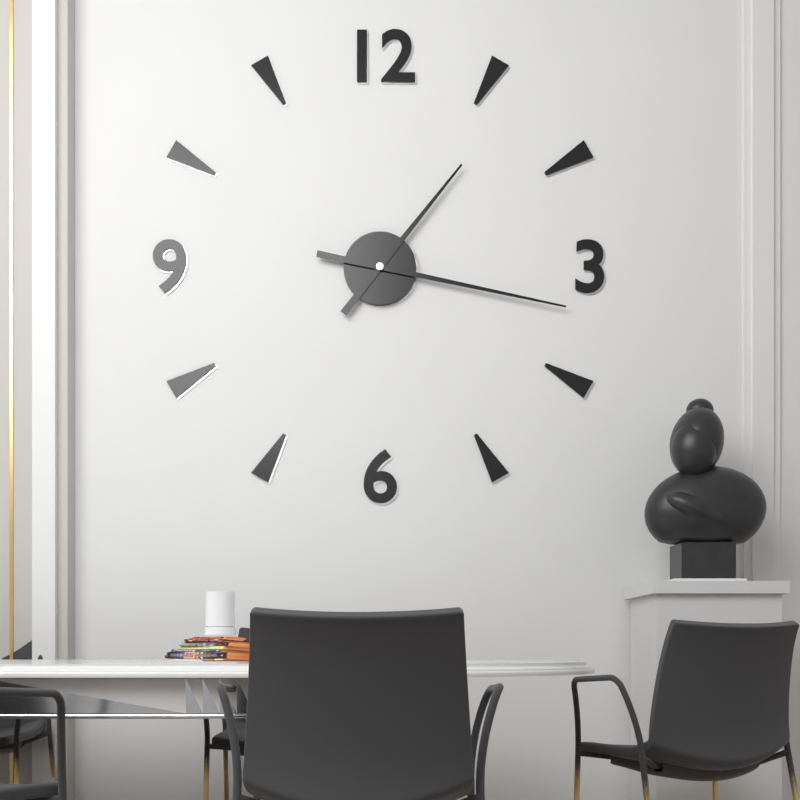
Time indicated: **1:17**
